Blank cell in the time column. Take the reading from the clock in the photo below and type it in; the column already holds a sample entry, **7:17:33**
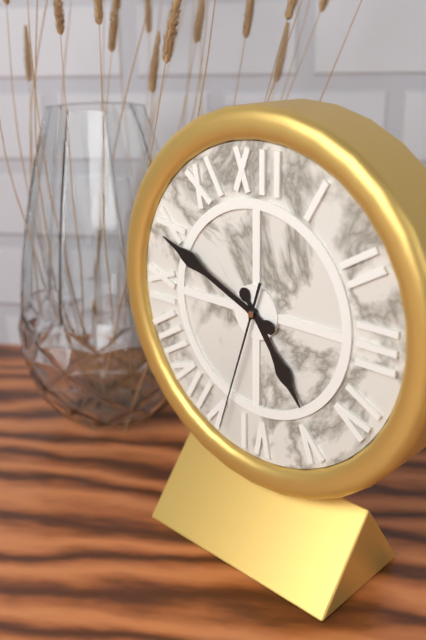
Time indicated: **4:49:33**
